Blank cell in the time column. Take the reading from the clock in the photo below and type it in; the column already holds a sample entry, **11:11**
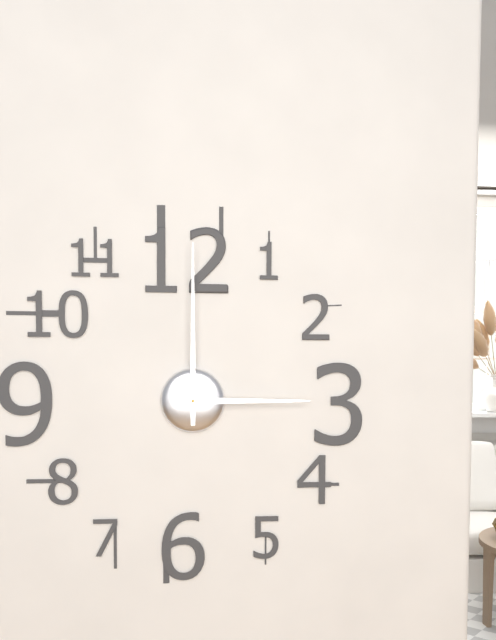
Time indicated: **3:00**
